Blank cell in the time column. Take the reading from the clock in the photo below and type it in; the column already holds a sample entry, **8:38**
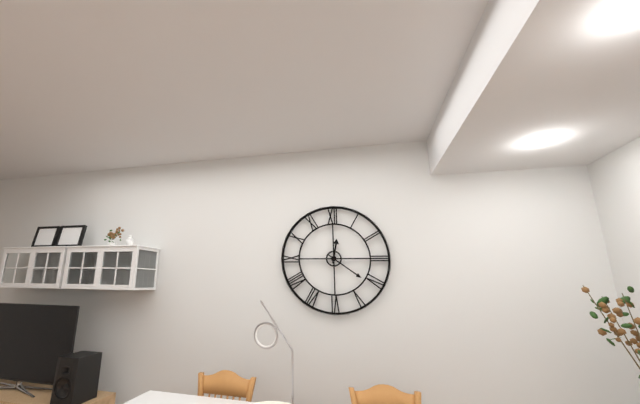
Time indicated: **12:21**
